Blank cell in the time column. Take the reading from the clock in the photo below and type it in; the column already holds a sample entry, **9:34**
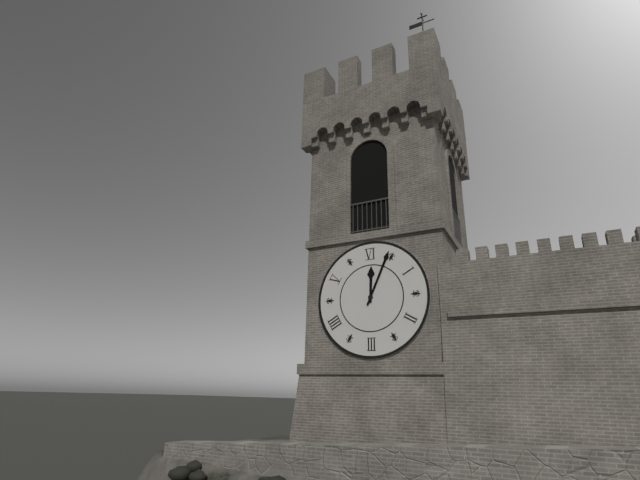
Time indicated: **12:04**
